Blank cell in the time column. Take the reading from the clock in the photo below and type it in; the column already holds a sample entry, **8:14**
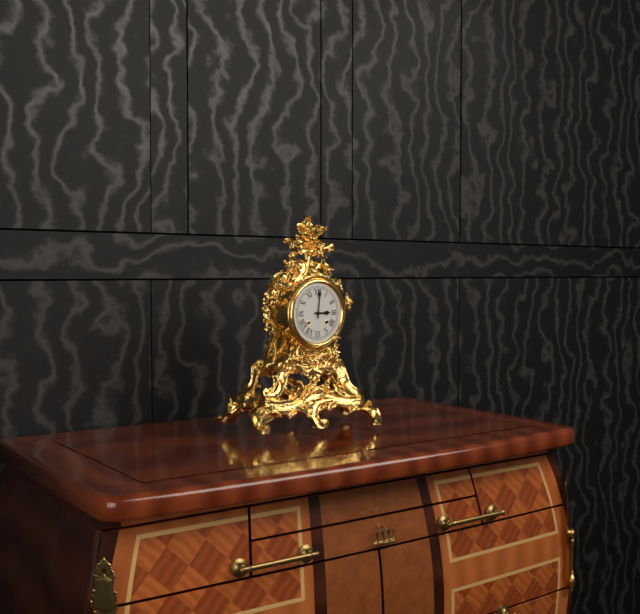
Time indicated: **3:01**
